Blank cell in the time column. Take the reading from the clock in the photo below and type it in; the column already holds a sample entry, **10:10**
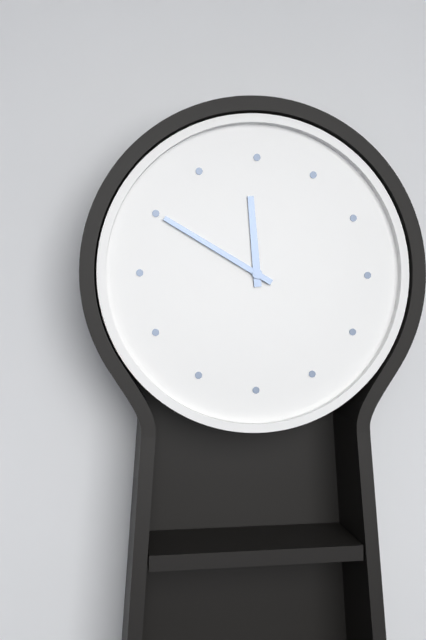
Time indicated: **11:50**
